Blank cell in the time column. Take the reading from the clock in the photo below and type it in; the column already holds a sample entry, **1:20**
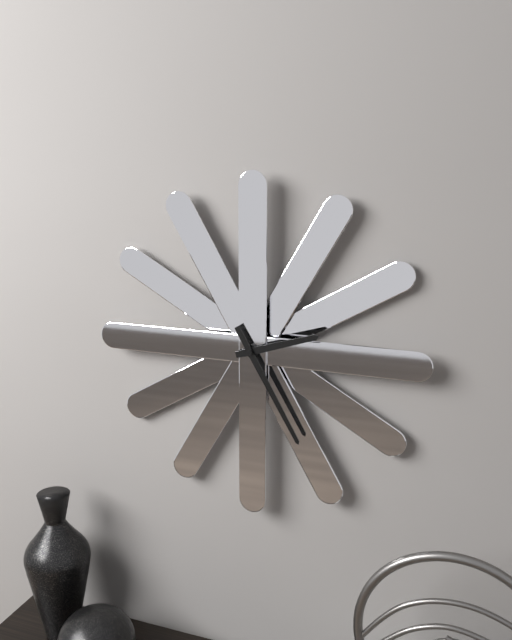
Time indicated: **2:25**
